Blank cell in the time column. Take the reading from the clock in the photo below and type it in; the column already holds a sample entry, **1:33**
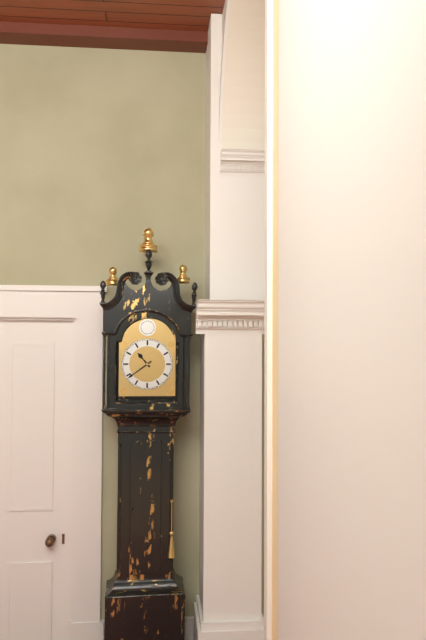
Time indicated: **10:39**
